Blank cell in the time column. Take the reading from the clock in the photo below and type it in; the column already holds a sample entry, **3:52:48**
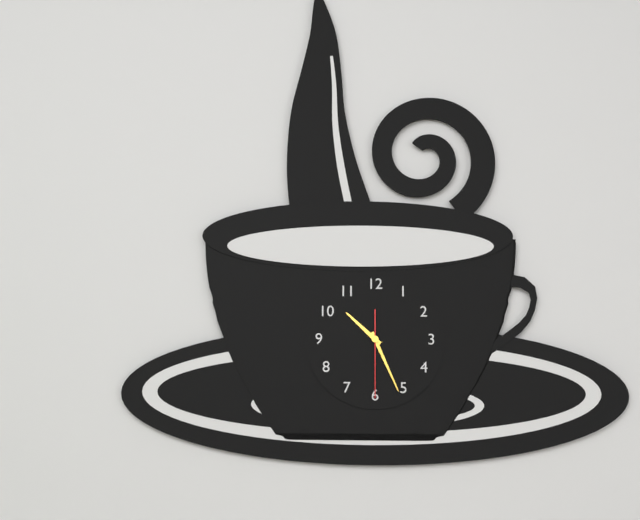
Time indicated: **10:26:30**
